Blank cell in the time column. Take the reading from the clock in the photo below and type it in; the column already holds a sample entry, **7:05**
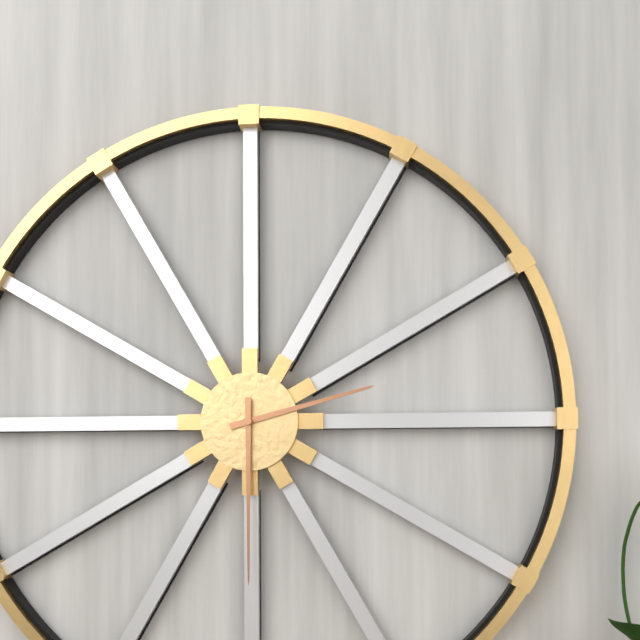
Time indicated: **2:30**
